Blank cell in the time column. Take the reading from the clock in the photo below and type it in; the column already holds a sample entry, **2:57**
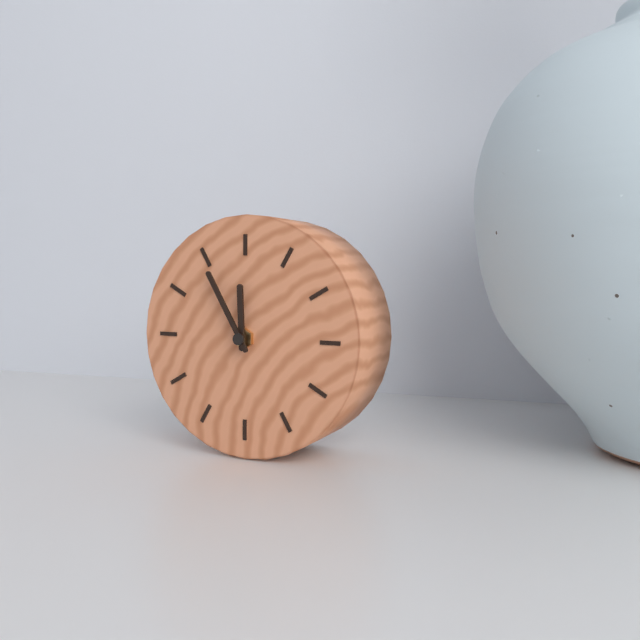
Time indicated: **11:55**
